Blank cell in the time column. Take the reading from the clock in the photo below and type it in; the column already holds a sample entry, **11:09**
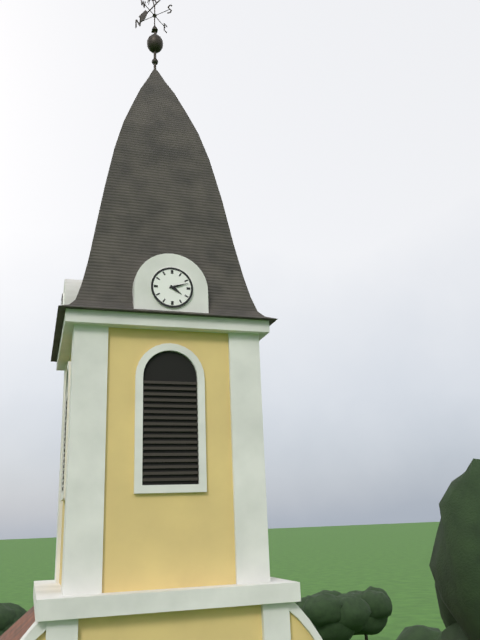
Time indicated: **4:12**
